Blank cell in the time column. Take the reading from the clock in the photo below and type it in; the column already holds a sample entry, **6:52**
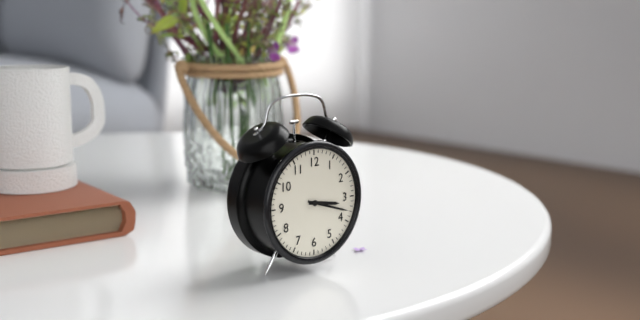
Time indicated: **3:18**
